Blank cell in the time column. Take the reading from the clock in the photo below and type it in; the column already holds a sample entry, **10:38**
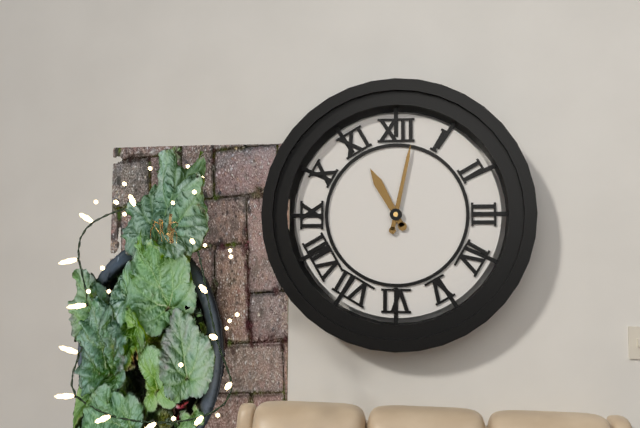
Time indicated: **11:02**
